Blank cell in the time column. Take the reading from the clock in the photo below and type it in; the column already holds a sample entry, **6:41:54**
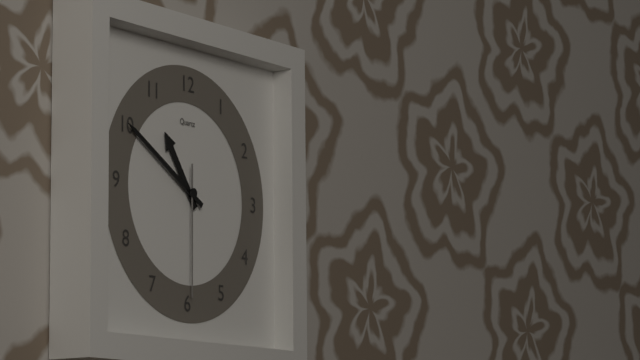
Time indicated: **10:50:30**
